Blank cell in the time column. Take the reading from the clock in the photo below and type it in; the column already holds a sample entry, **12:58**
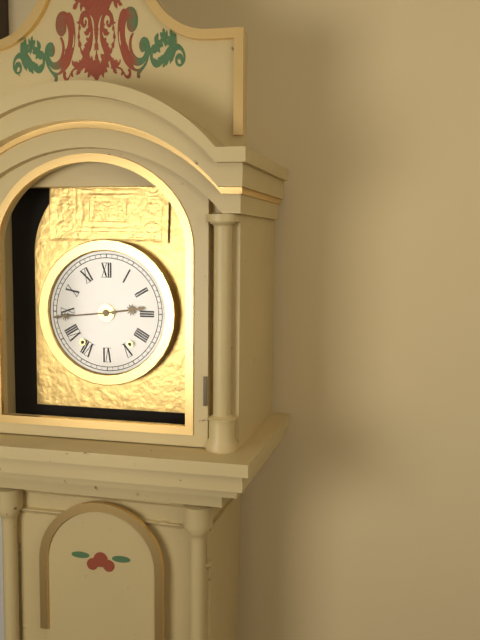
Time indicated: **2:44**
